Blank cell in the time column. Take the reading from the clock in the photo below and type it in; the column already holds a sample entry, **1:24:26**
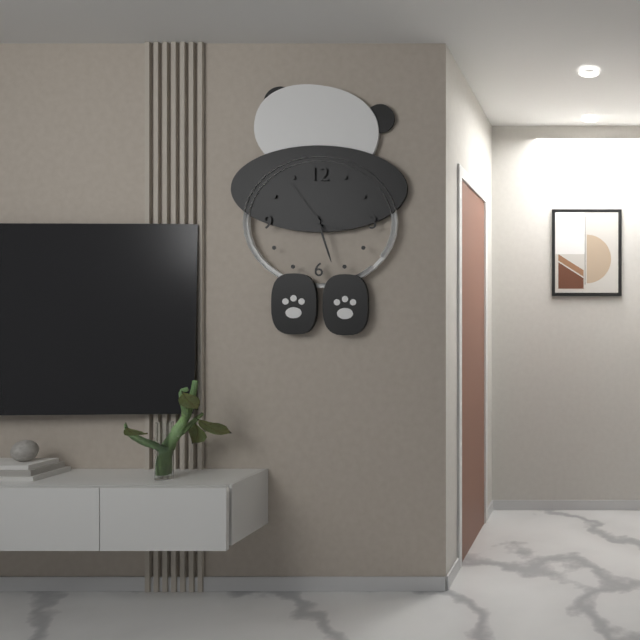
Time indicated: **3:27:54**
